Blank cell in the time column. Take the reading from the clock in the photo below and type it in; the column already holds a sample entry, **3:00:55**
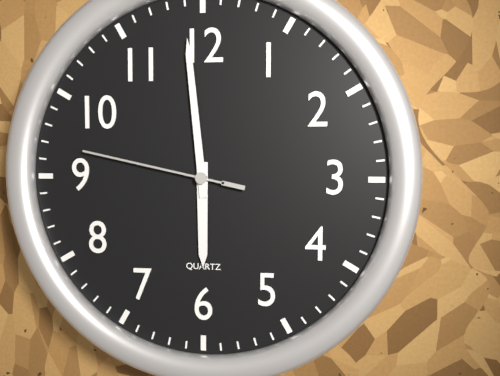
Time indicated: **5:59:47**
